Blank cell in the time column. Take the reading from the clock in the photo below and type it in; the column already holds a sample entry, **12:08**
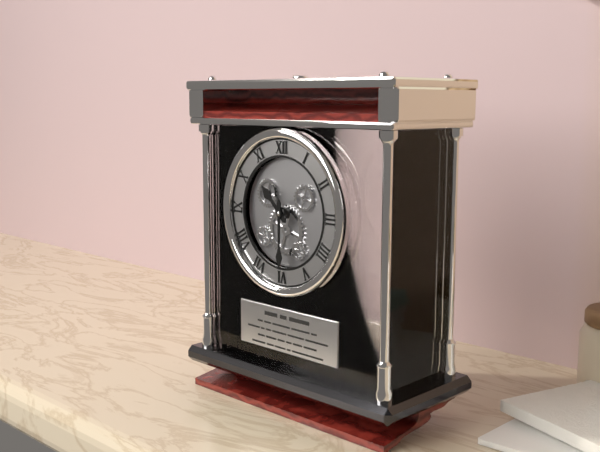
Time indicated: **10:30**
